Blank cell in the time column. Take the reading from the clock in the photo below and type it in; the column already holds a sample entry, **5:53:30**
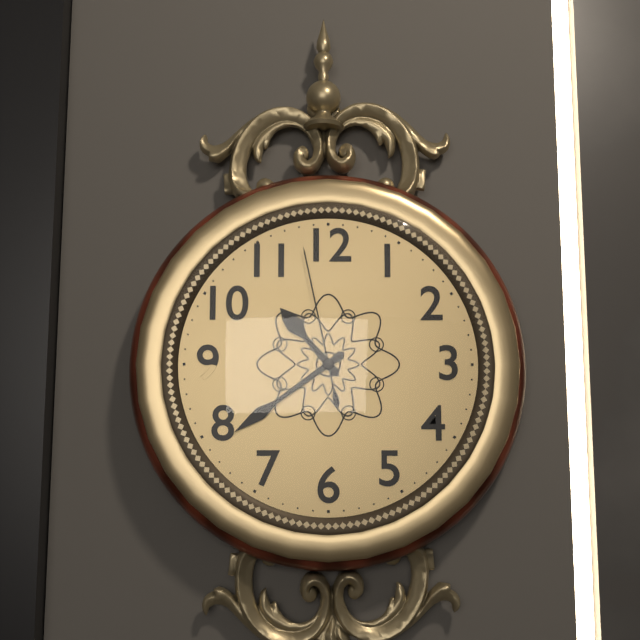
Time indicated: **10:39:58**
